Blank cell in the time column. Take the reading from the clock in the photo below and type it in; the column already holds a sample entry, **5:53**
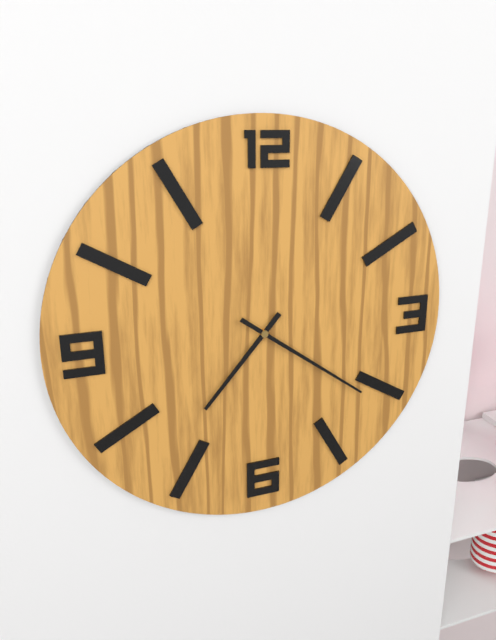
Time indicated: **7:21**
